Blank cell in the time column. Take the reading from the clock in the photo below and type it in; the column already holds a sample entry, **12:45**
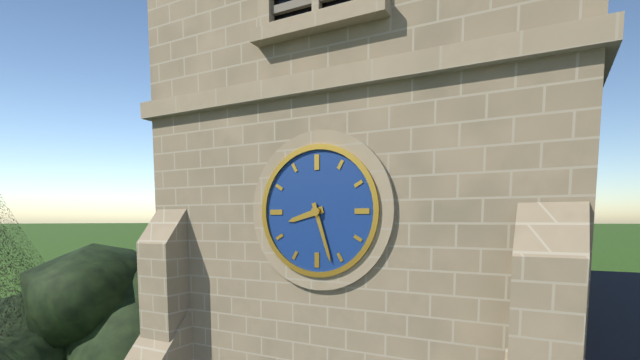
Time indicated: **8:27**
